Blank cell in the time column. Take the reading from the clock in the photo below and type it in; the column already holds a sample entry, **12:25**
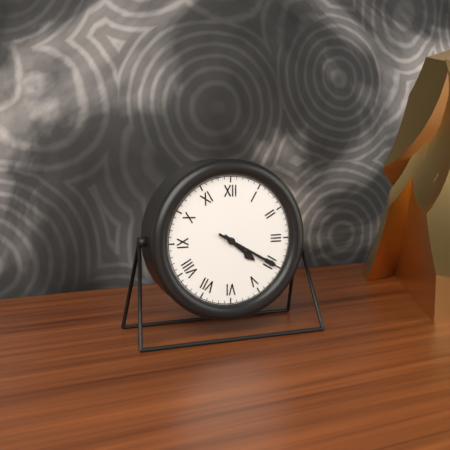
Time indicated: **4:20**
